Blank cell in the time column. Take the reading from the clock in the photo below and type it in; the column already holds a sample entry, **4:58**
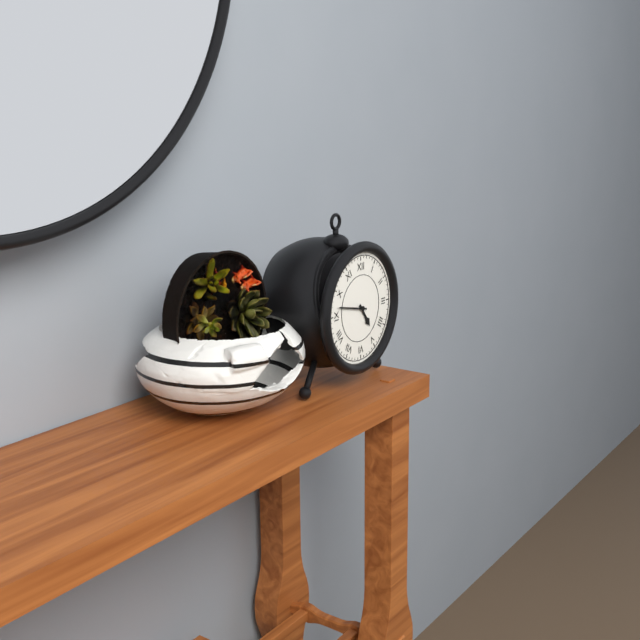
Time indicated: **4:47**
